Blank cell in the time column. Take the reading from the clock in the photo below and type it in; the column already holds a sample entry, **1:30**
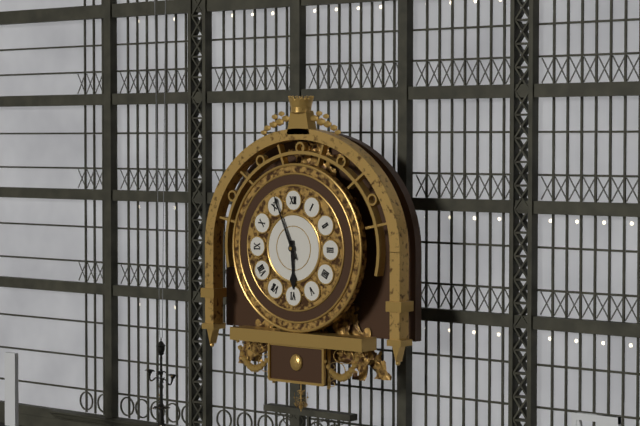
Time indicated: **5:56**
